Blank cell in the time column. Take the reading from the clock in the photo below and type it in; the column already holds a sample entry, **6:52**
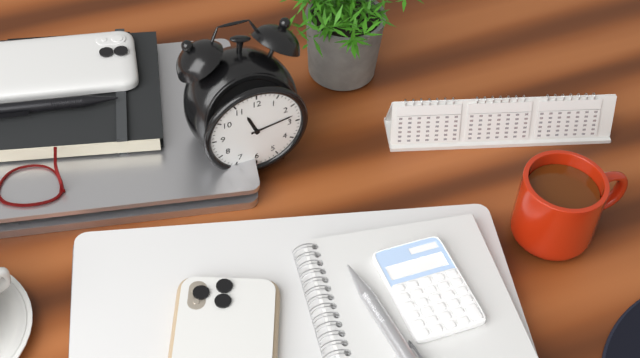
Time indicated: **11:13**
